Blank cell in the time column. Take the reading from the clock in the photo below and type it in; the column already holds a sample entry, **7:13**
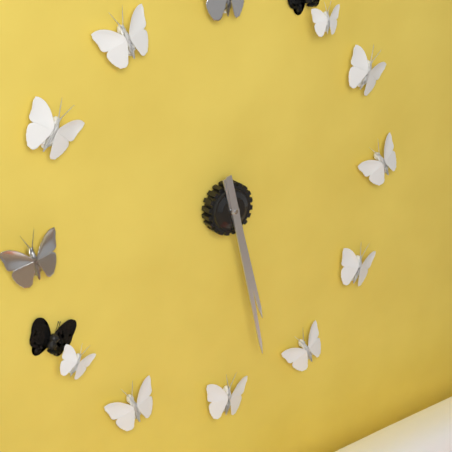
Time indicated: **5:28**
